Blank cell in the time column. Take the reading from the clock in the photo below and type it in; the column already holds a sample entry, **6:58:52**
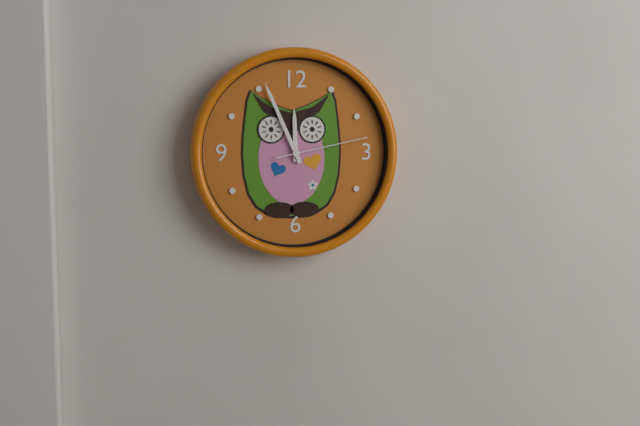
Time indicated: **11:56:13**
